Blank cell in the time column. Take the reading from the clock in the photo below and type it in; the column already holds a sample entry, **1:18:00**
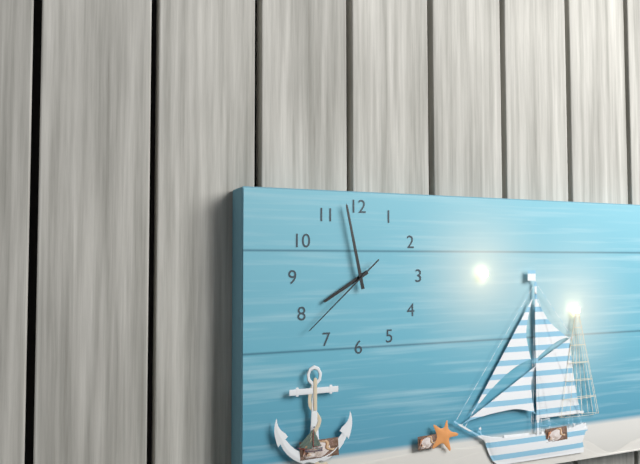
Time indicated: **7:58:38**
